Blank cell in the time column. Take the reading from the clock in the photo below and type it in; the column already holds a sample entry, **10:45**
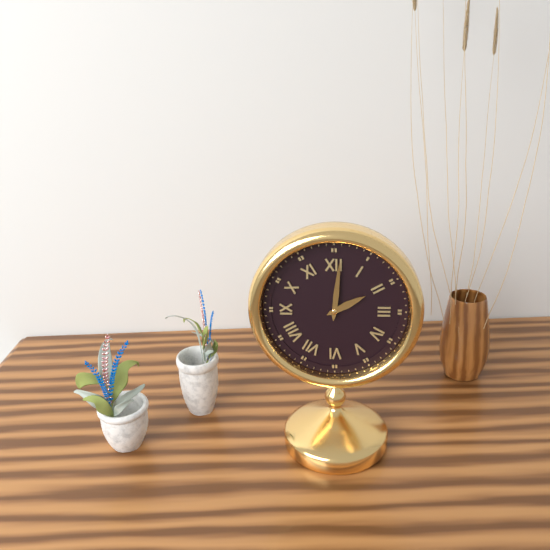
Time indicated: **2:01**
